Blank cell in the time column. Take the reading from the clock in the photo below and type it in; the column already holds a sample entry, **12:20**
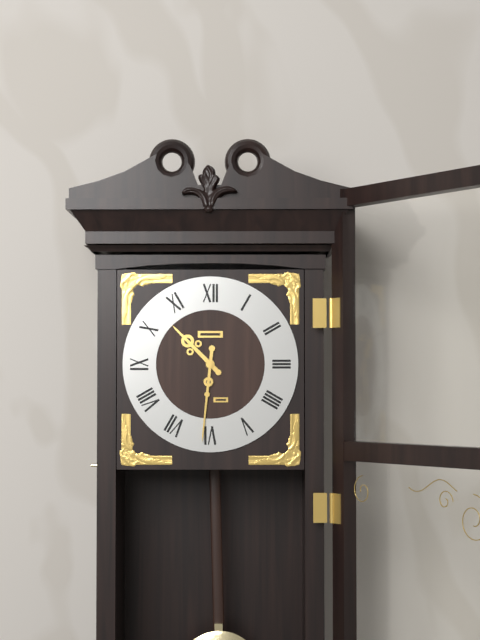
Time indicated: **10:31**
